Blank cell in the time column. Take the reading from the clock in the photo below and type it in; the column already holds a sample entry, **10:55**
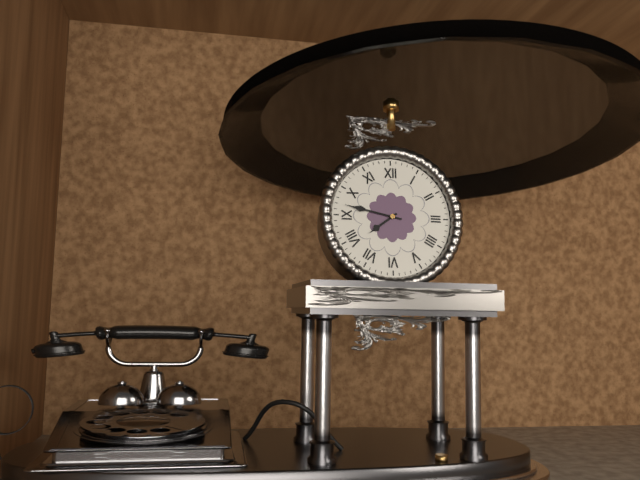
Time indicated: **7:47**
